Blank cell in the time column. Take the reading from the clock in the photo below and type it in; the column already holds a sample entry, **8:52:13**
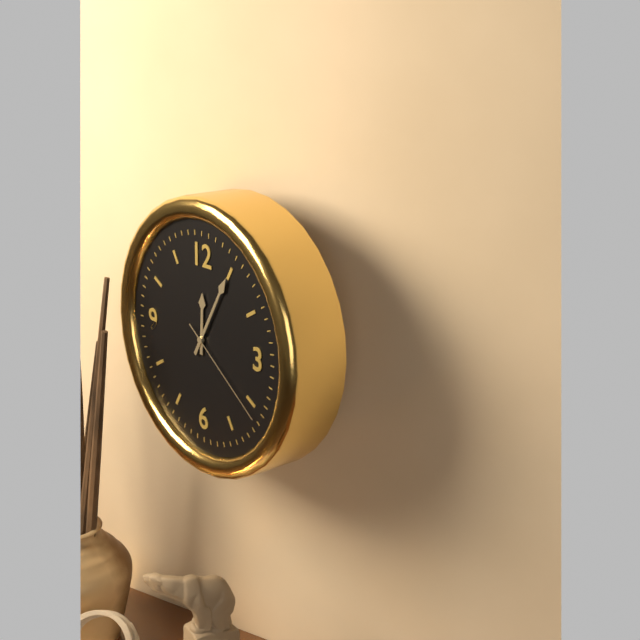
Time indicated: **12:05:21**
